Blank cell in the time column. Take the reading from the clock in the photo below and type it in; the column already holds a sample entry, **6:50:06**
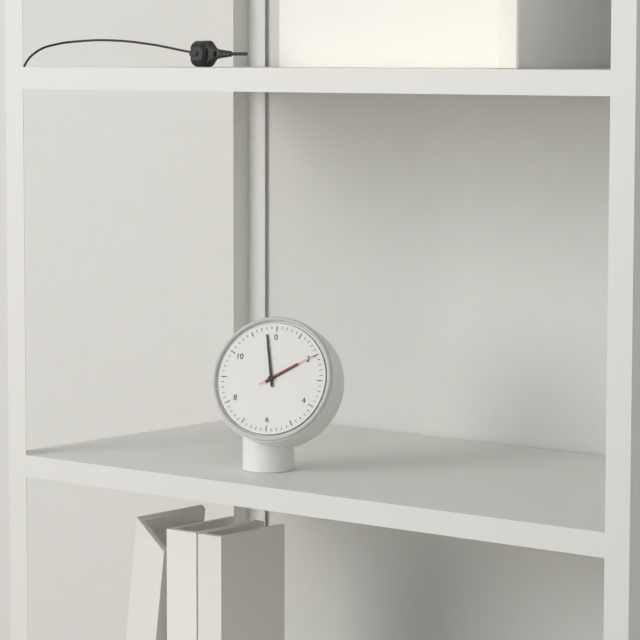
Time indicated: **1:58:10**
